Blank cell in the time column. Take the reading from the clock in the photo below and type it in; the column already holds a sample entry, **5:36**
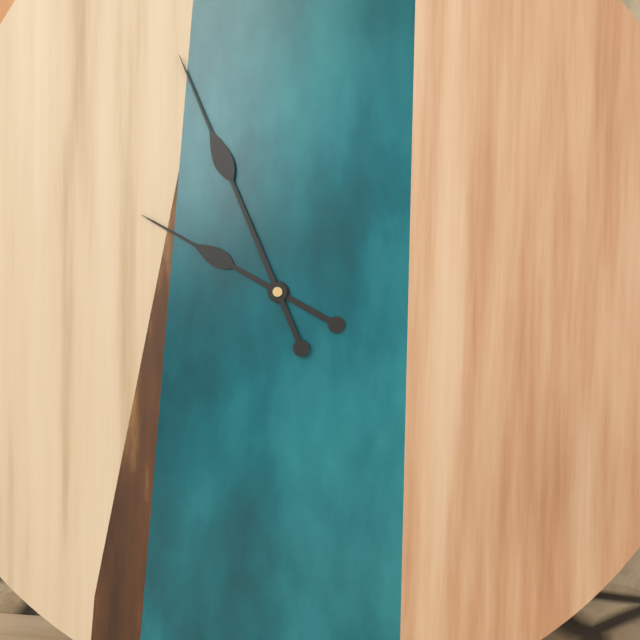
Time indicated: **9:56**
